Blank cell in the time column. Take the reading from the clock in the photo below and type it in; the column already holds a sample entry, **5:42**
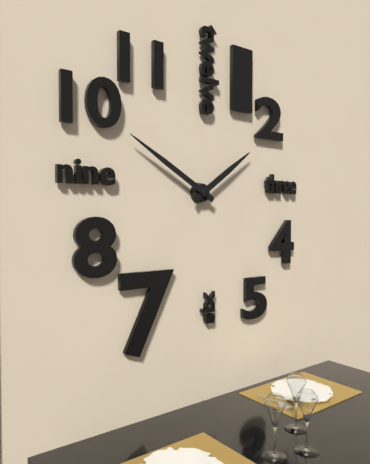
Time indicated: **1:50**
